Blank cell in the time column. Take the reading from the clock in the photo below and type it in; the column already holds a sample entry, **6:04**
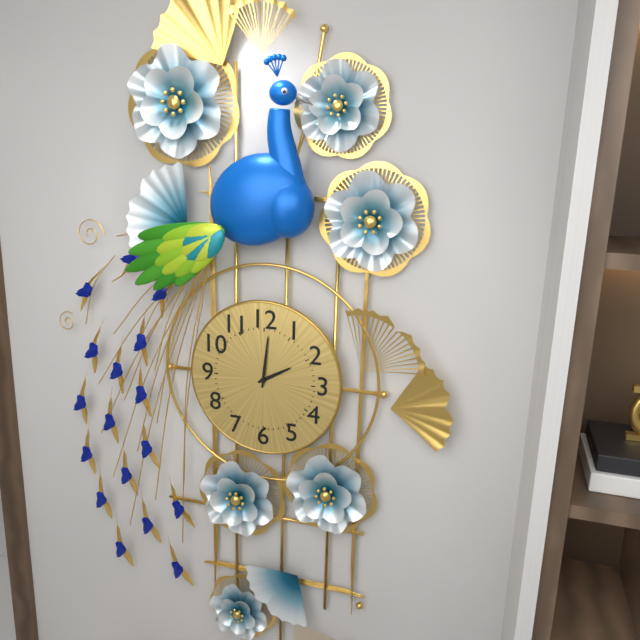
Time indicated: **2:01**
